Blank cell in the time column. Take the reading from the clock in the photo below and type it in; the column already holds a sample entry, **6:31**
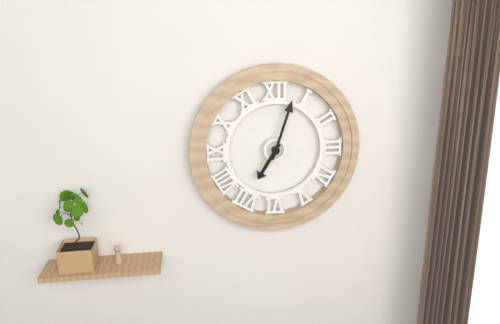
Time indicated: **7:03**
